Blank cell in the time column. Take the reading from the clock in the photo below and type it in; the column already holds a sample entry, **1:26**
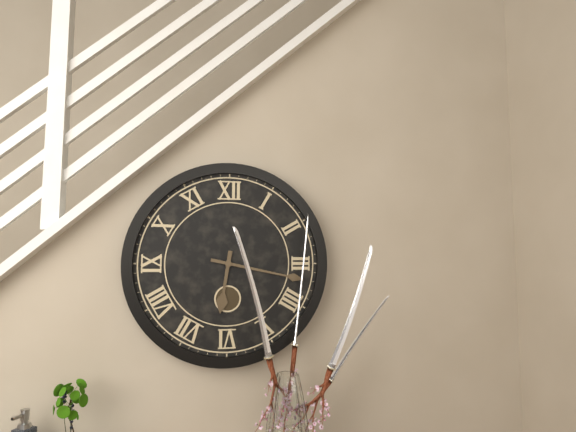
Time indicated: **6:17**
